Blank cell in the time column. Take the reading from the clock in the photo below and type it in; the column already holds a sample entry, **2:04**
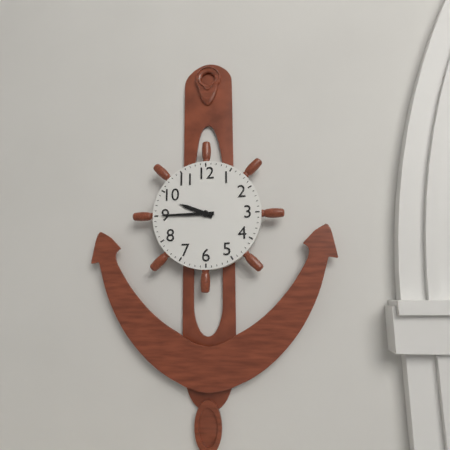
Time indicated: **9:45**
